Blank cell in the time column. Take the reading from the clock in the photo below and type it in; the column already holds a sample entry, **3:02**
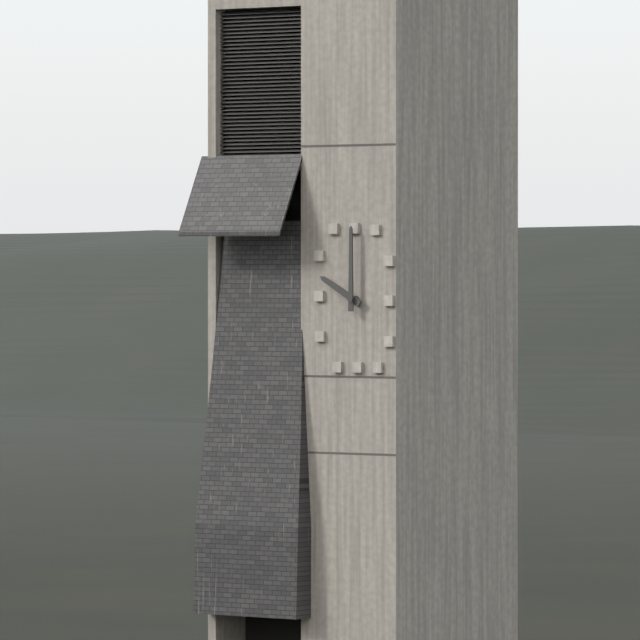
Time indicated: **10:00**
